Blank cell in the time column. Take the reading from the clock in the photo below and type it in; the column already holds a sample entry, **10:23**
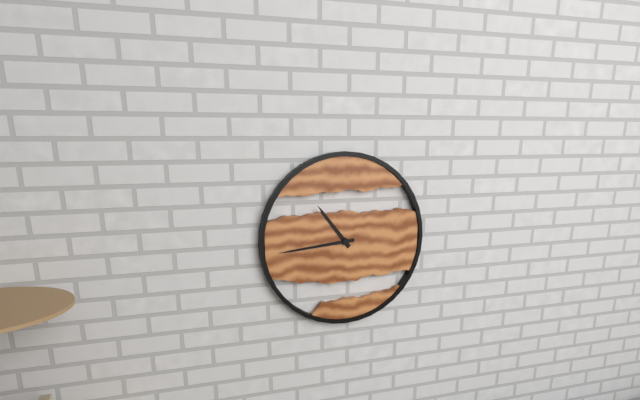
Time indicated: **10:44**
